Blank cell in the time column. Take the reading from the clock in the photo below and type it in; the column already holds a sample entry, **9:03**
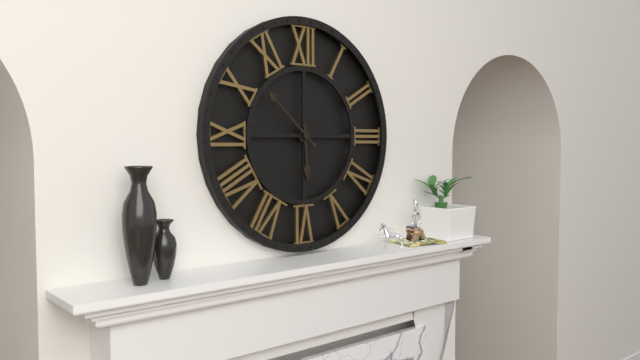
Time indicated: **5:52**
